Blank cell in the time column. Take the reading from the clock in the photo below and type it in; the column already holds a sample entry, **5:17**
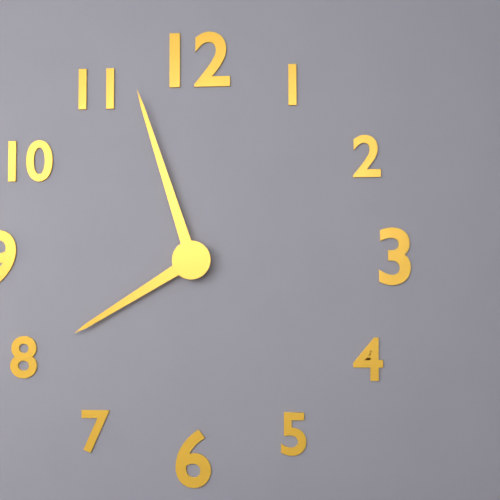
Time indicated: **7:57**
